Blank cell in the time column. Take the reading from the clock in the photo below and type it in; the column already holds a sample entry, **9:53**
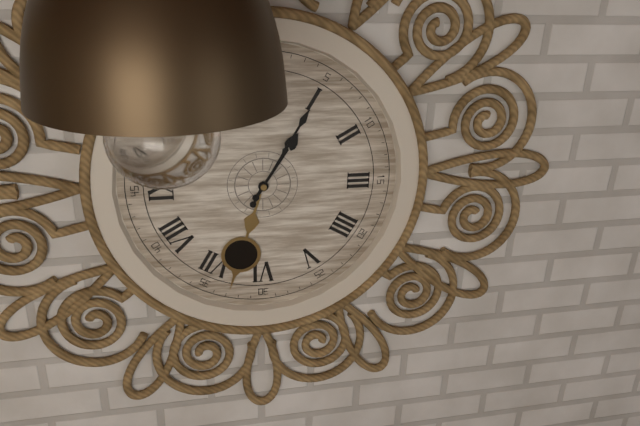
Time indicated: **1:05**
